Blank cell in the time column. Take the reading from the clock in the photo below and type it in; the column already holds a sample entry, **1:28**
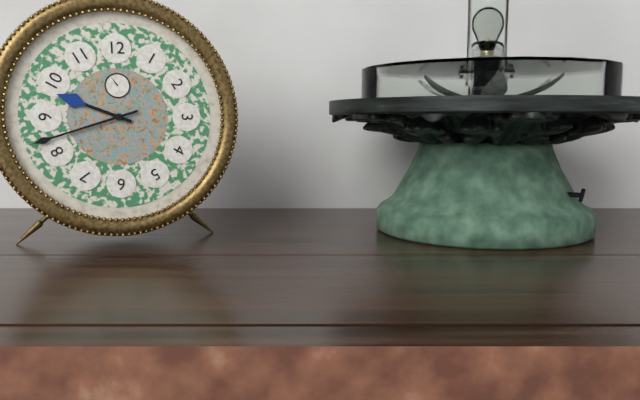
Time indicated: **9:42**
